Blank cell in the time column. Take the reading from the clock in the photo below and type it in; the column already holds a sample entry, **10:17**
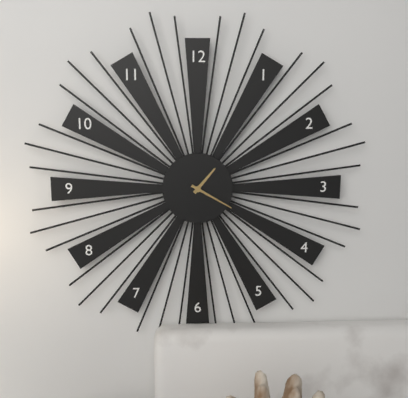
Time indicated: **1:20**
